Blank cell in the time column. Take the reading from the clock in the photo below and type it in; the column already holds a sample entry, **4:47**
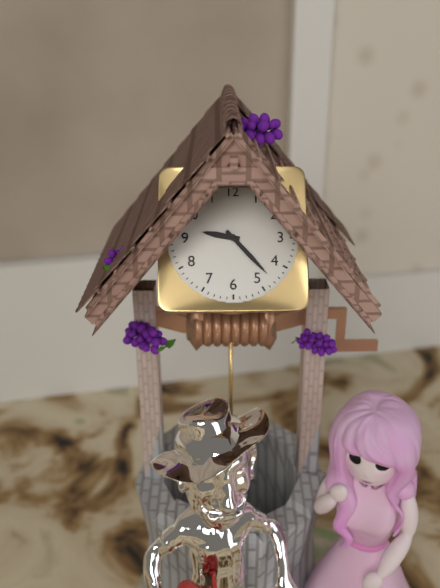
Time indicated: **9:23**
